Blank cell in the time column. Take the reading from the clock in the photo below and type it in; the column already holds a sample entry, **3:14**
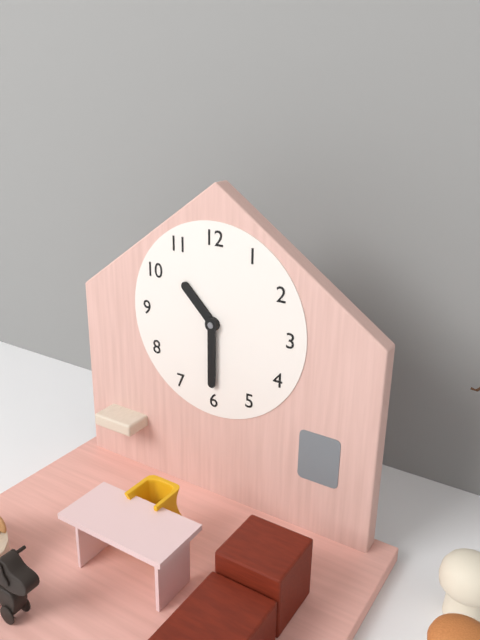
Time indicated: **10:30**
